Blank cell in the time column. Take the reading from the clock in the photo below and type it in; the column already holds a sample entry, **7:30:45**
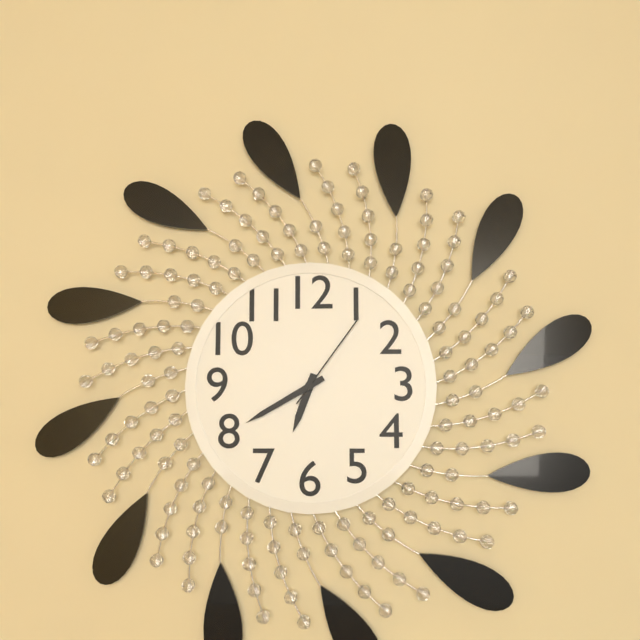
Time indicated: **6:40:06**
